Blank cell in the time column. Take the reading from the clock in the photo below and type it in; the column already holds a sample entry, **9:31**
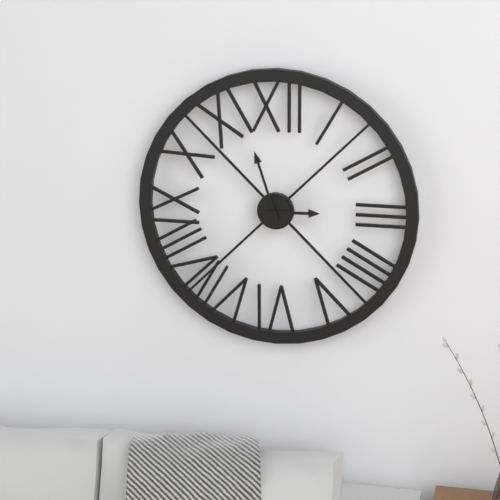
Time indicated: **2:57**
